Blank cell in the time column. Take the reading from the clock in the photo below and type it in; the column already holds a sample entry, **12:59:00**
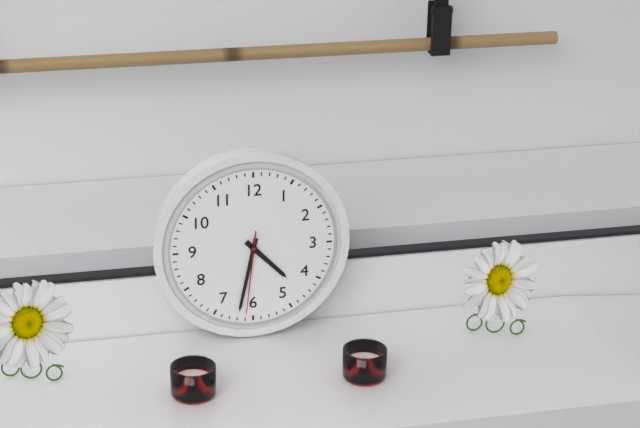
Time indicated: **4:32:31**
